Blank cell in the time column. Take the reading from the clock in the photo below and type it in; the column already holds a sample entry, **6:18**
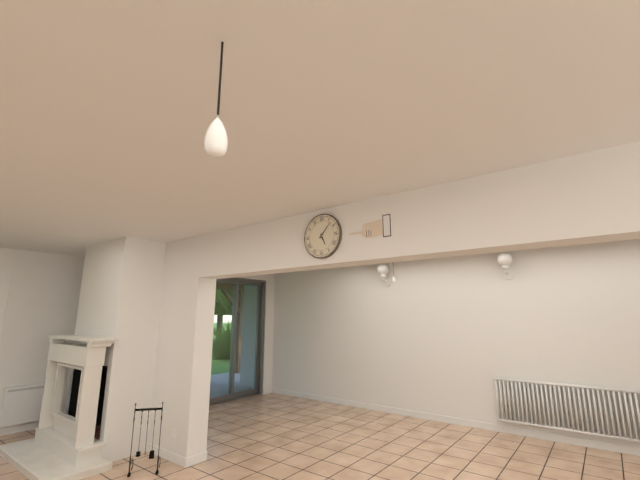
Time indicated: **5:07**
